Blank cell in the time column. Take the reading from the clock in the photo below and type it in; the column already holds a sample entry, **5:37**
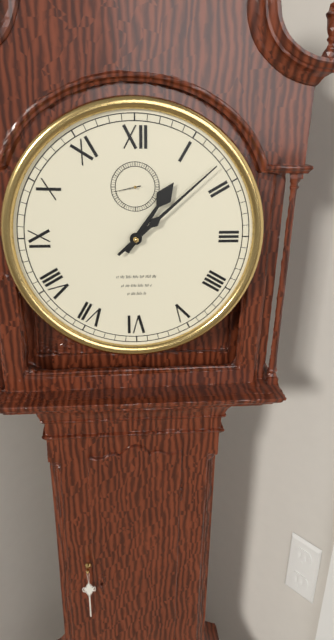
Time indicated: **1:08**
